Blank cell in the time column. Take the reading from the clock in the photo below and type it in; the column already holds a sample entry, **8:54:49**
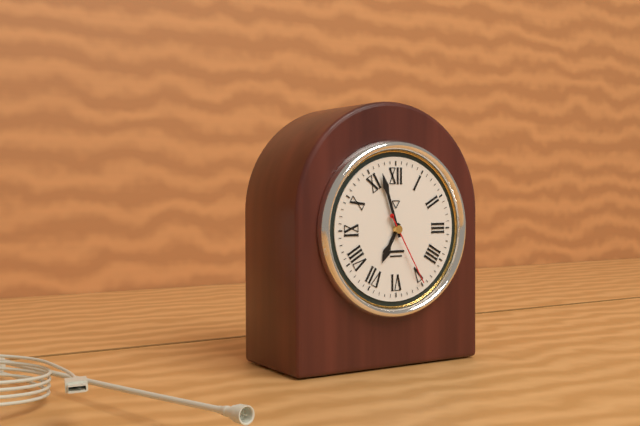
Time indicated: **6:57:25**
